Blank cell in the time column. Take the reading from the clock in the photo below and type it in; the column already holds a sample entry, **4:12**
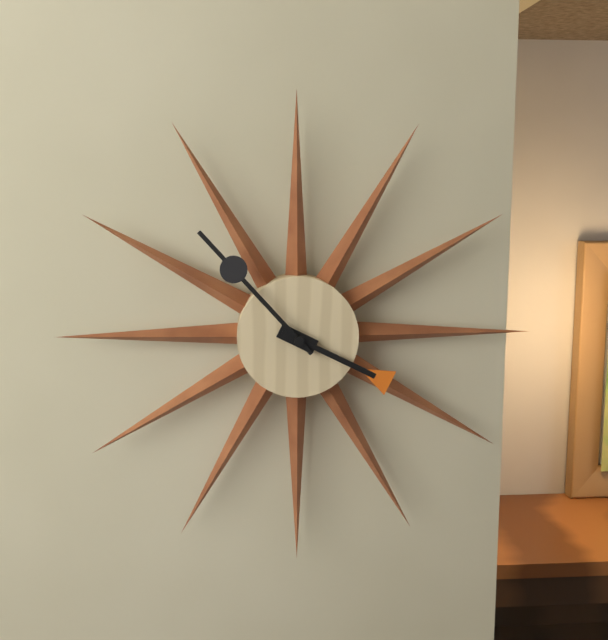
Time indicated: **3:53**
